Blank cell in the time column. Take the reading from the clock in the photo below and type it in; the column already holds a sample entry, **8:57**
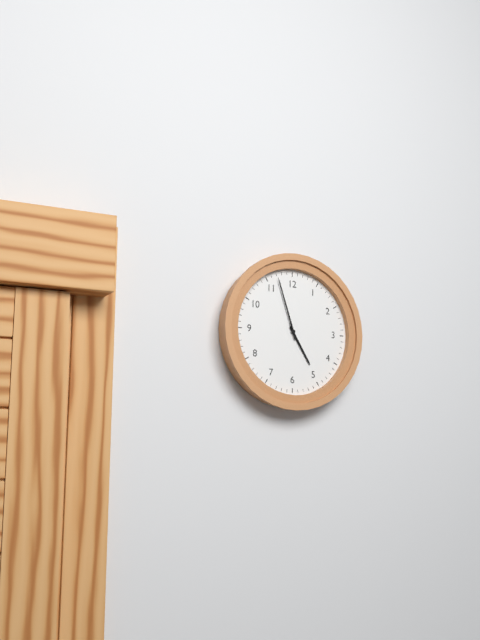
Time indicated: **4:57**
